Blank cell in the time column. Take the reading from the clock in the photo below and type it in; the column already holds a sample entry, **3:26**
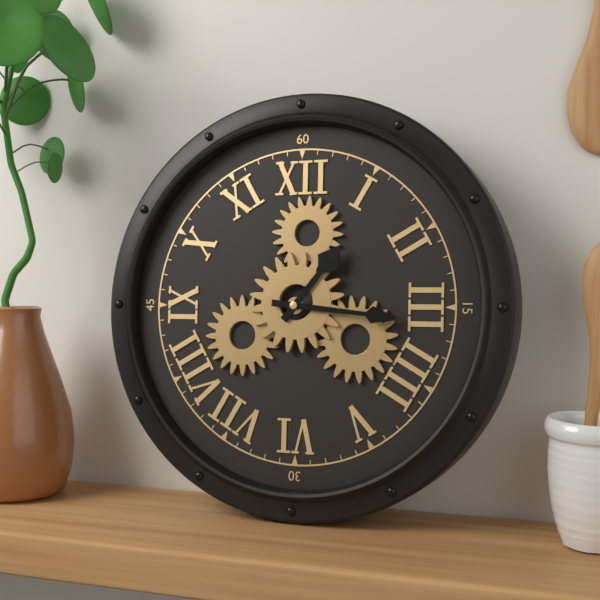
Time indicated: **1:16**
